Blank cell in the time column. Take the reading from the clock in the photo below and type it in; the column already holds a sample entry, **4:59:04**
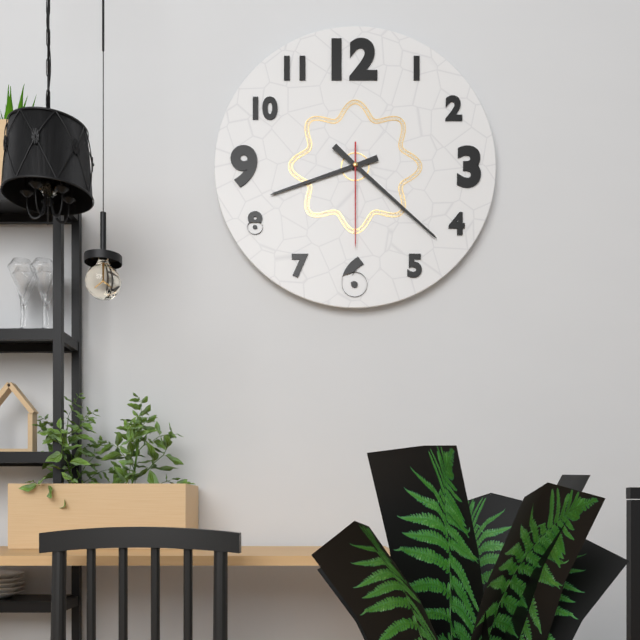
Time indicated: **8:22:30**
